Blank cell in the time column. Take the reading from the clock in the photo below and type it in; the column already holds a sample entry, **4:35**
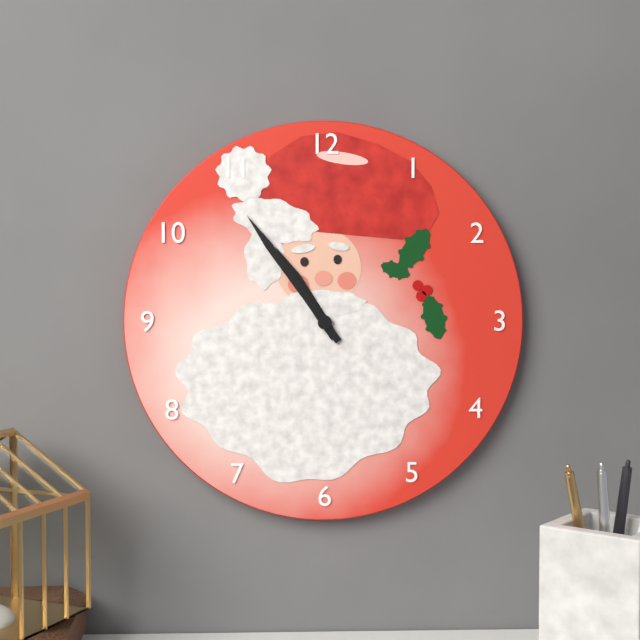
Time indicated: **10:54**
